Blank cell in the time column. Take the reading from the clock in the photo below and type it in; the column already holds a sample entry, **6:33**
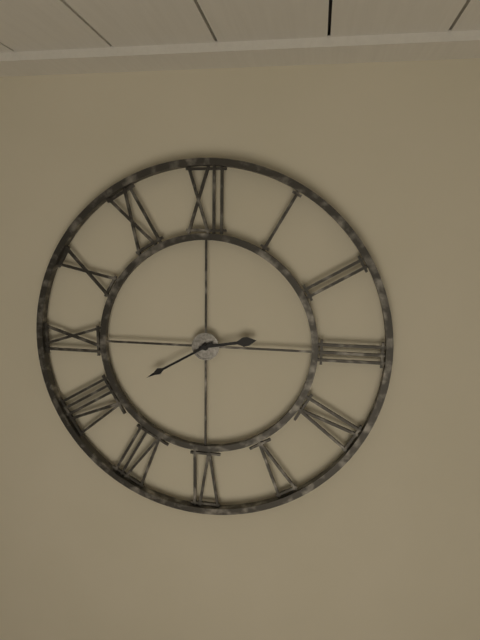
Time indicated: **2:40**
